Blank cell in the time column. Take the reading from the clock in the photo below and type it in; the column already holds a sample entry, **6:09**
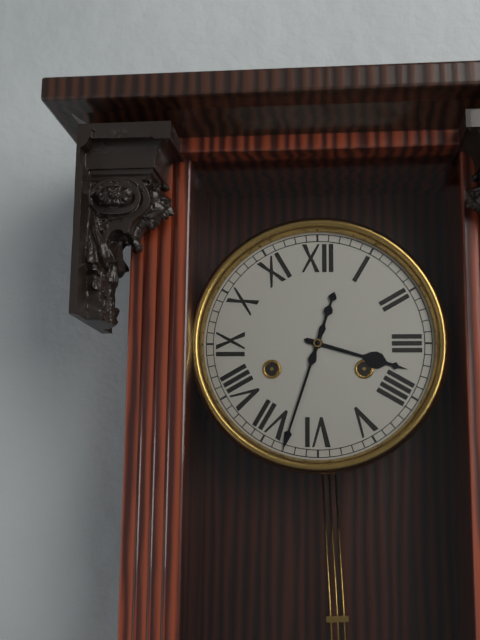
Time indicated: **3:33**
